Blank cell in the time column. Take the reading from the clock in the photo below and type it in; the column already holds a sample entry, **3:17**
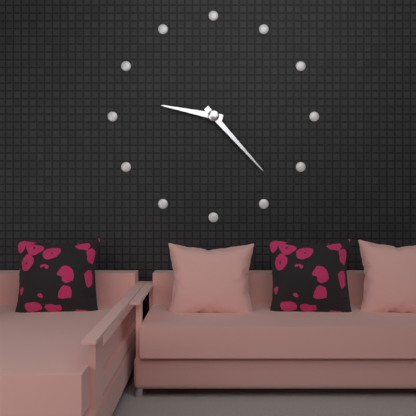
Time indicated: **9:23**
